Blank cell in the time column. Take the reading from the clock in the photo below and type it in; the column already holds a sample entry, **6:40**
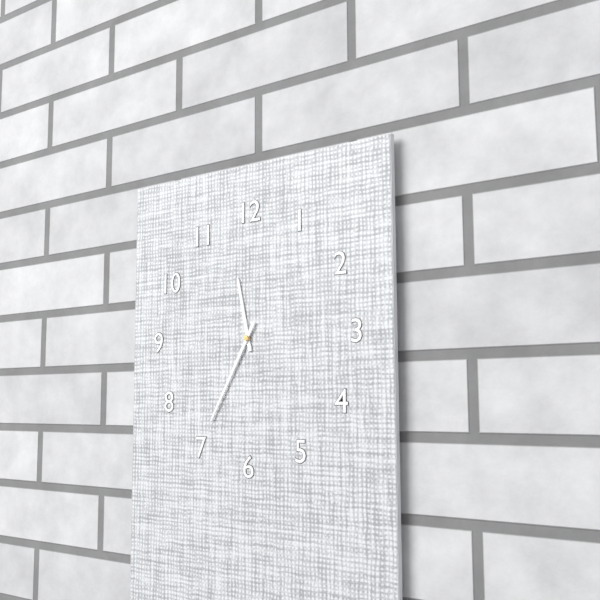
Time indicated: **11:35**
